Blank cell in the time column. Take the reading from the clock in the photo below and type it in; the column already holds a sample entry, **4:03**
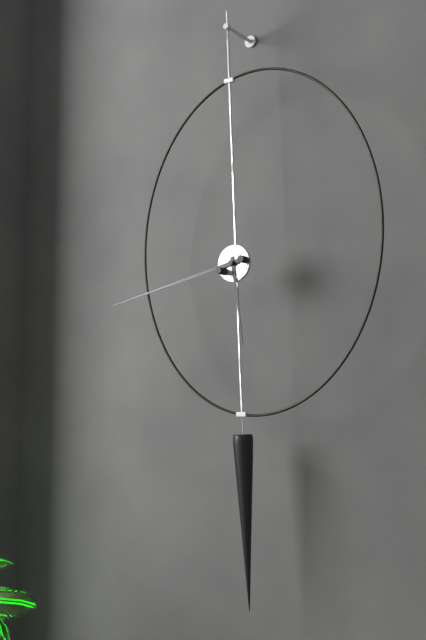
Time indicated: **5:43**
